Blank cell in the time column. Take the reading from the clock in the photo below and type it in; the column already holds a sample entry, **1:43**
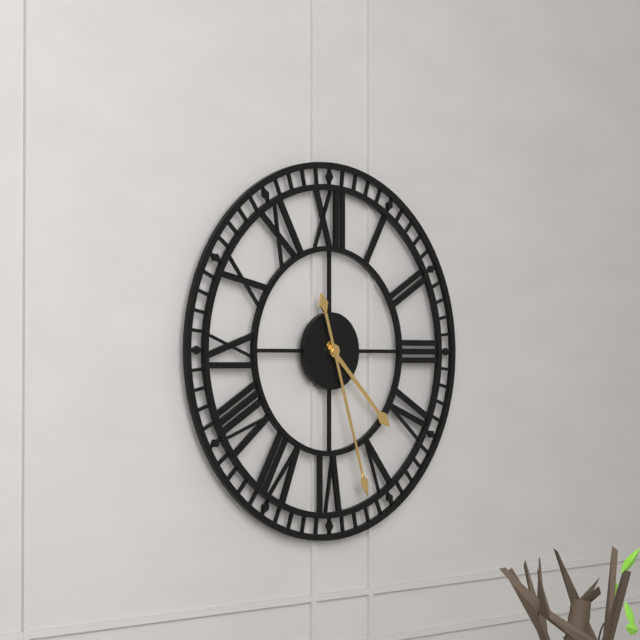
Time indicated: **4:27**
